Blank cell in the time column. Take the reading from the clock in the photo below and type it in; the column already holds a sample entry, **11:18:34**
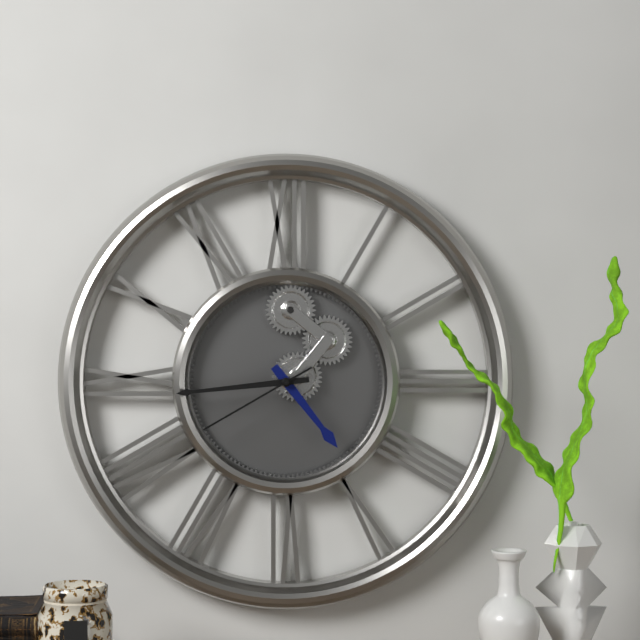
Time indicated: **4:44:40**
